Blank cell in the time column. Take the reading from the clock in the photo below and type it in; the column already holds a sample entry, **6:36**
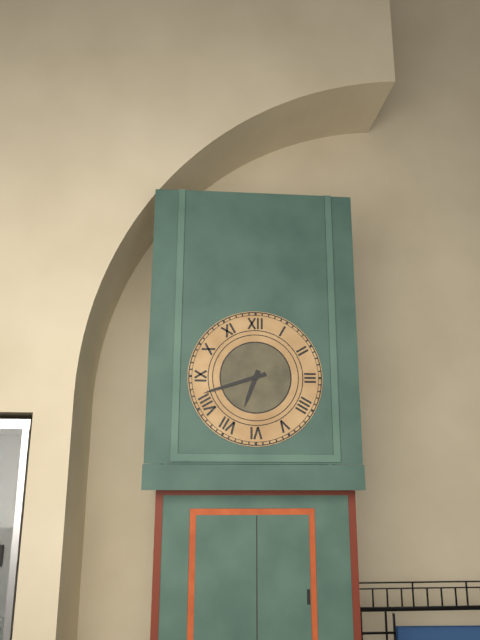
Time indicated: **6:42**
